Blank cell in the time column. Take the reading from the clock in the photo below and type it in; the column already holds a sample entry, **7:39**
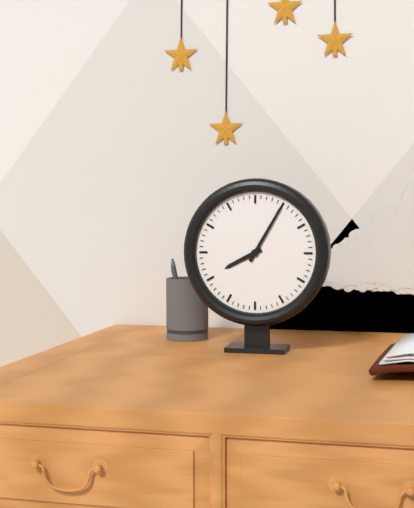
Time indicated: **8:05**
